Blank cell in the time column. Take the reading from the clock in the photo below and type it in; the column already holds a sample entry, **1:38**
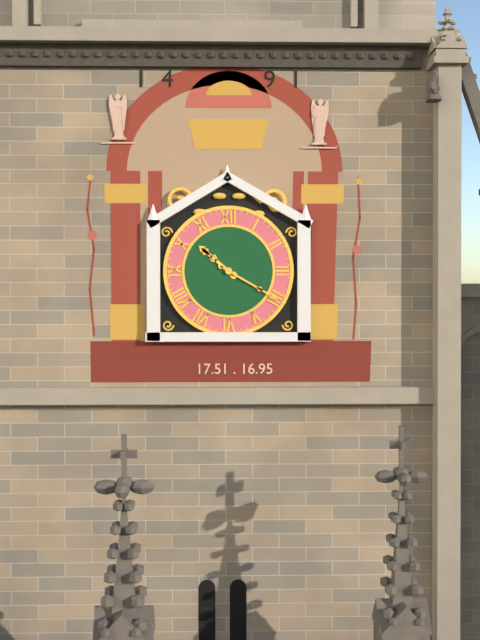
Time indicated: **10:20**
